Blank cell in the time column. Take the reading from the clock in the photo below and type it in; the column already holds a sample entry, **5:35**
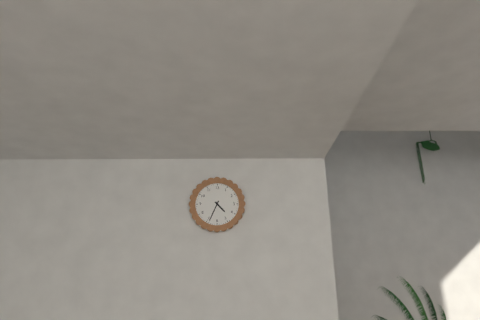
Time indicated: **4:34**
